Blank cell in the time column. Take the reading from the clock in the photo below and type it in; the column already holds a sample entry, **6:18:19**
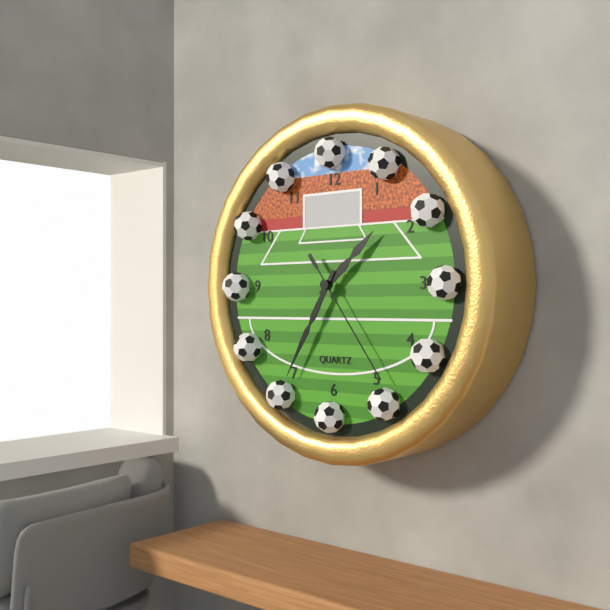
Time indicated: **1:35:24**
